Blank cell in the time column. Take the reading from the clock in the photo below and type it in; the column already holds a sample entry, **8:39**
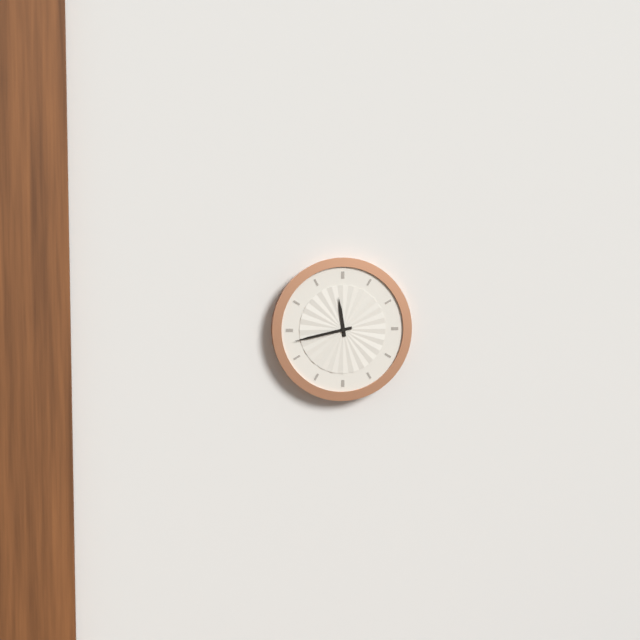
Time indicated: **11:43**
